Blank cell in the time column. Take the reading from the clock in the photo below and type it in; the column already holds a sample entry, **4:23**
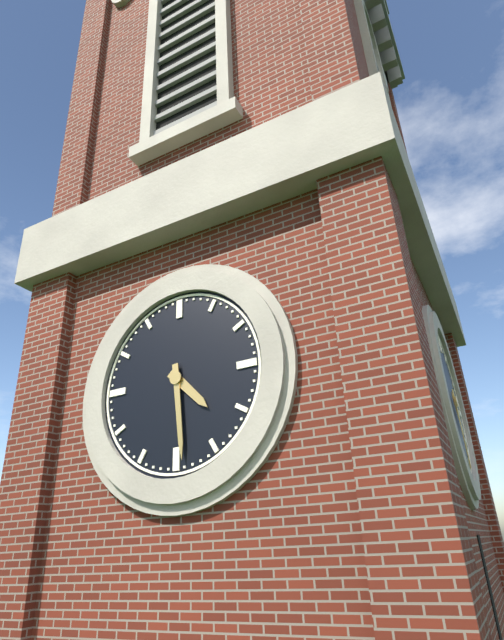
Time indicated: **4:29**
